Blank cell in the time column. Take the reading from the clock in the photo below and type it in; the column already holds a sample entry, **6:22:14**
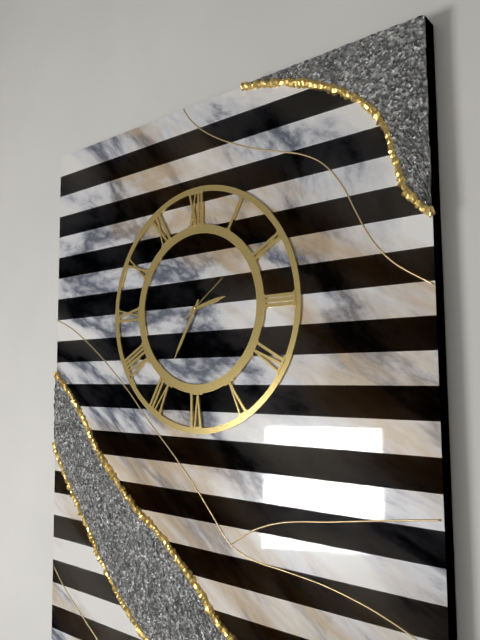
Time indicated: **2:35:09**
